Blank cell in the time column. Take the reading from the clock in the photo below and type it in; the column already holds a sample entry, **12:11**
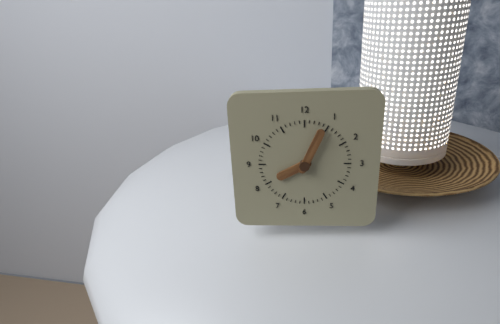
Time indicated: **8:04**
